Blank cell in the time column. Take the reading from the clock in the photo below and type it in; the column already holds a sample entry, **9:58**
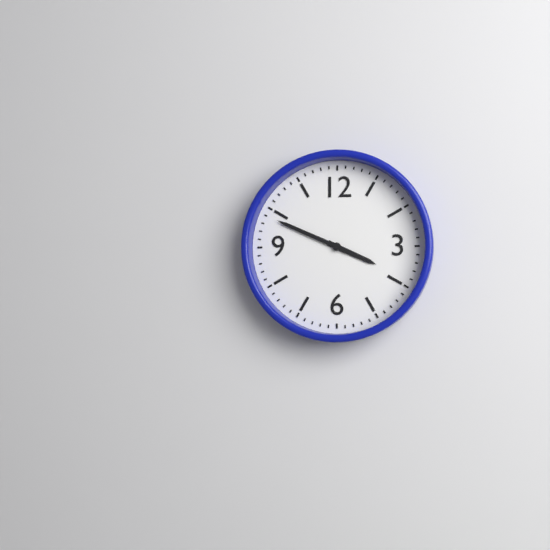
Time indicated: **3:49**
